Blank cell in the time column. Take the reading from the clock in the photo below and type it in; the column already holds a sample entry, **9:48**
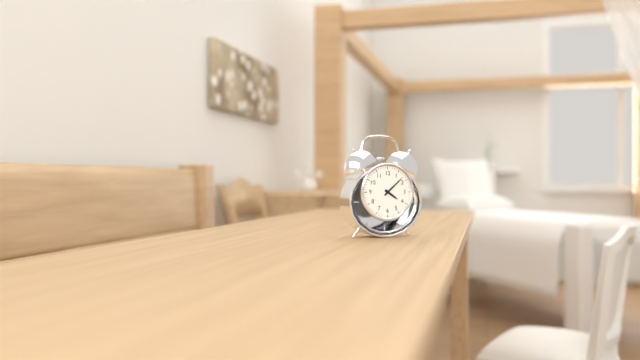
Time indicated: **4:08**
